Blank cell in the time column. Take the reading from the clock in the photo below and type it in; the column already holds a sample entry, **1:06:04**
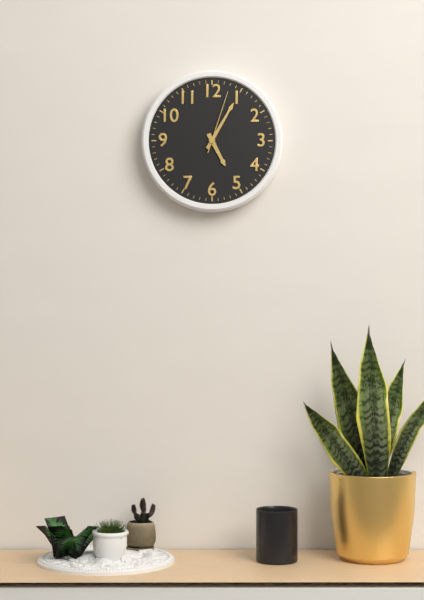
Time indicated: **5:05:03**
